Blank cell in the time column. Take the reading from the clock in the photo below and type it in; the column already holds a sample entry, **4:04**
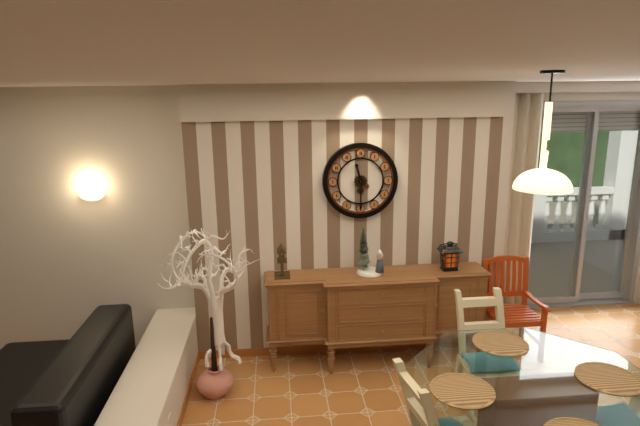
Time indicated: **11:30**
